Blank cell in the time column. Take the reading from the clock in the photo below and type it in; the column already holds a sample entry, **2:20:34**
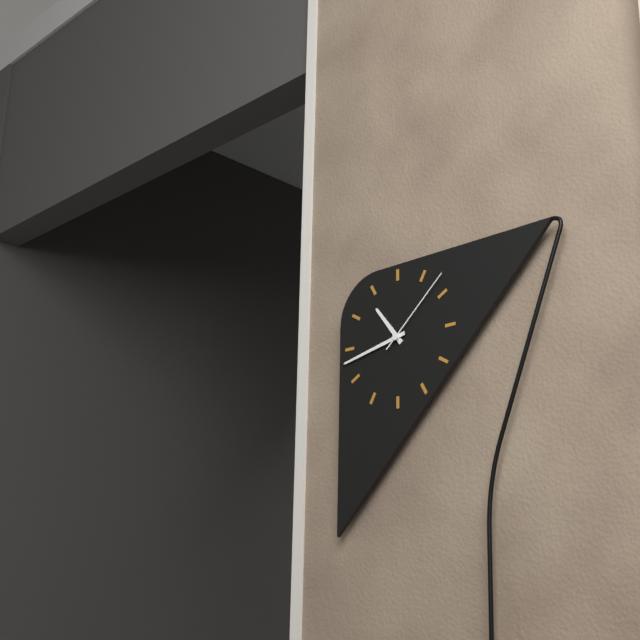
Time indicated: **10:43:08**
